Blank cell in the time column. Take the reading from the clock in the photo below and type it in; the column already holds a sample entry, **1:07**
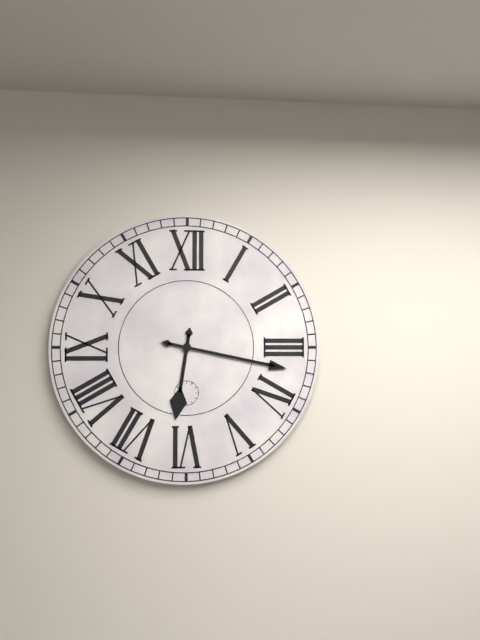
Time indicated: **6:17**
